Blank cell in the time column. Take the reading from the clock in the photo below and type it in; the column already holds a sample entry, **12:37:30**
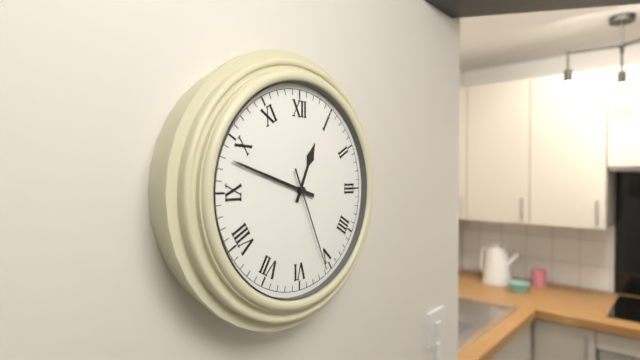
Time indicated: **12:48:26**
